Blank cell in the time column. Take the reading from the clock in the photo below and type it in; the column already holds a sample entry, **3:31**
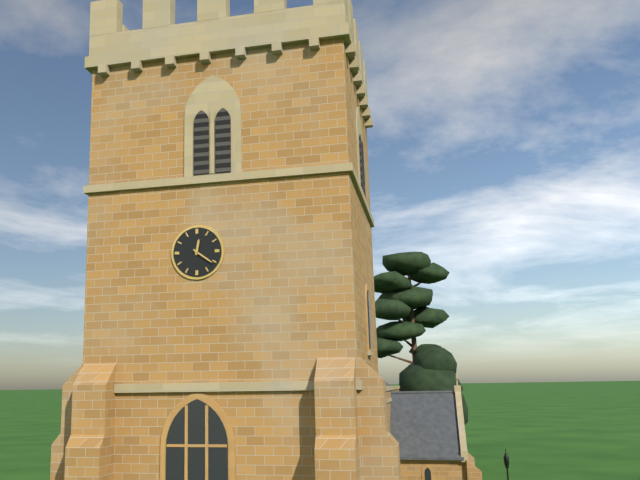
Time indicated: **12:21**
